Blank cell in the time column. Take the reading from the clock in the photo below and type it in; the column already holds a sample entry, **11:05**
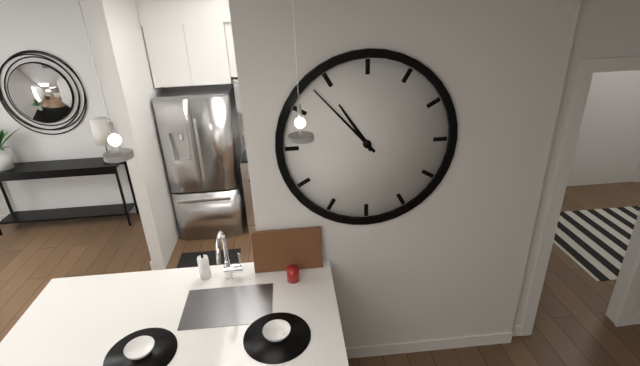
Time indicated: **10:53**
